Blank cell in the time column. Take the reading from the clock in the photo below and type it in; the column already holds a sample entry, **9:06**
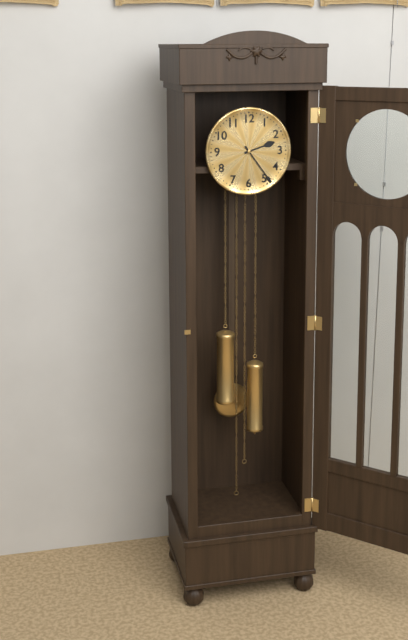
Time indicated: **2:24**
